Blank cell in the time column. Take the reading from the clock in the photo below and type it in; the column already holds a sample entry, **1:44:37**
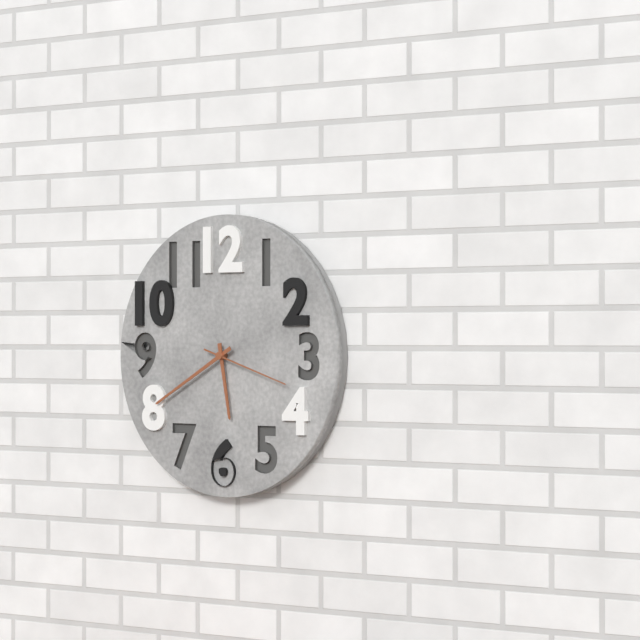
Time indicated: **5:40:18**
